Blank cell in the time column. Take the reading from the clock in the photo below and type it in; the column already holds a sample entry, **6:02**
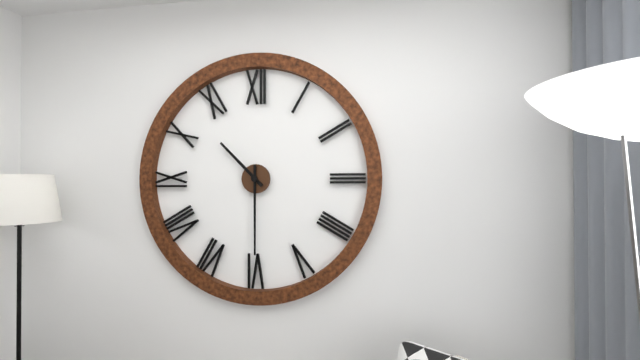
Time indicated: **10:30**
